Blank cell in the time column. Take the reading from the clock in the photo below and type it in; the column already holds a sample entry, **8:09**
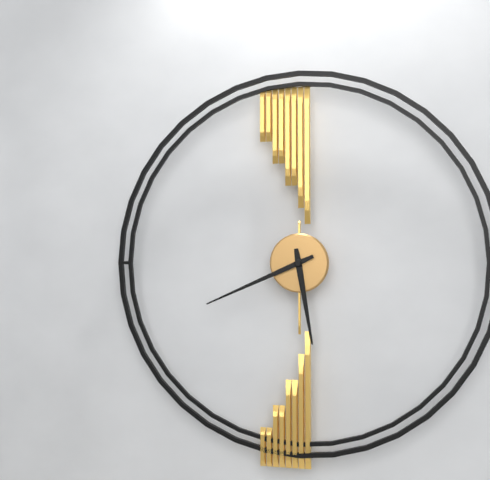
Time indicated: **5:41**
